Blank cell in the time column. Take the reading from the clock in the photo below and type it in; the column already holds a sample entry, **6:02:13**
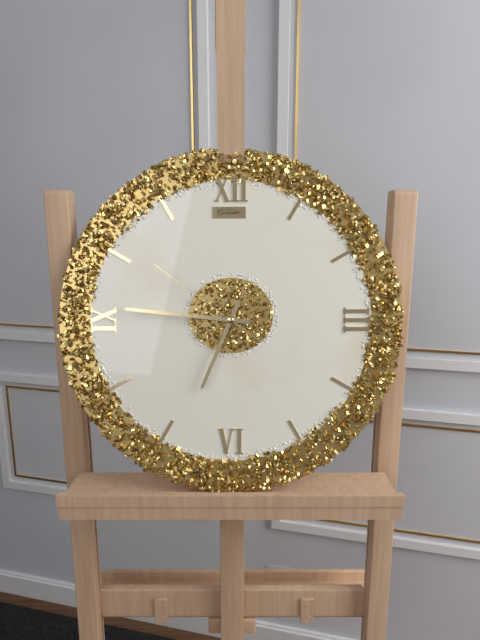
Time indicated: **6:46:51**
